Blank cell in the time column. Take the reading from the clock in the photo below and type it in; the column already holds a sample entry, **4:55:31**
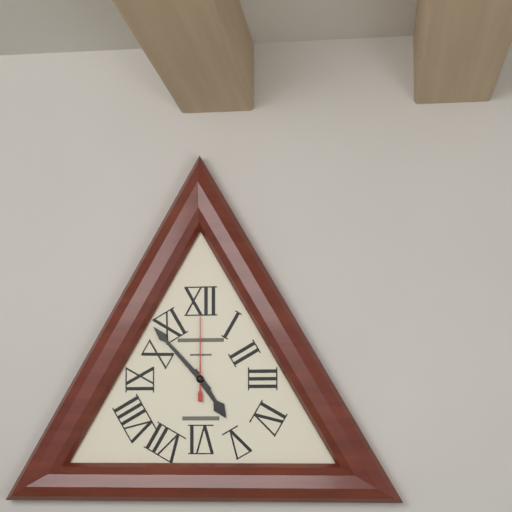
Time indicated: **4:53:00**
